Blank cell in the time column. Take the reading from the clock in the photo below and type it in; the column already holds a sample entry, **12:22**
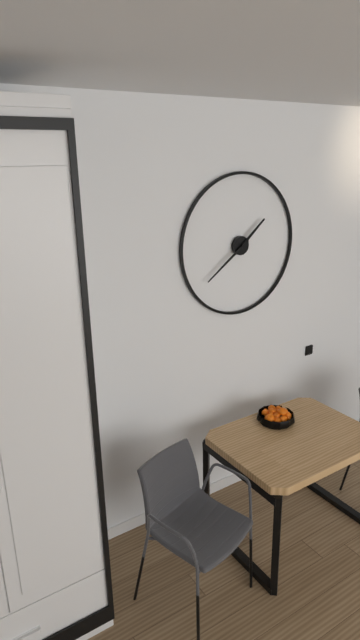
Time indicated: **1:39**
